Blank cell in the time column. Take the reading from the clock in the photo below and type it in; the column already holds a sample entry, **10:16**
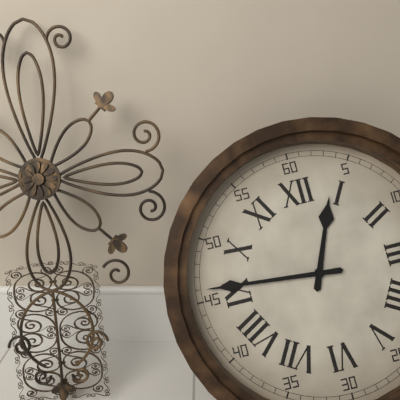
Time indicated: **12:46**
